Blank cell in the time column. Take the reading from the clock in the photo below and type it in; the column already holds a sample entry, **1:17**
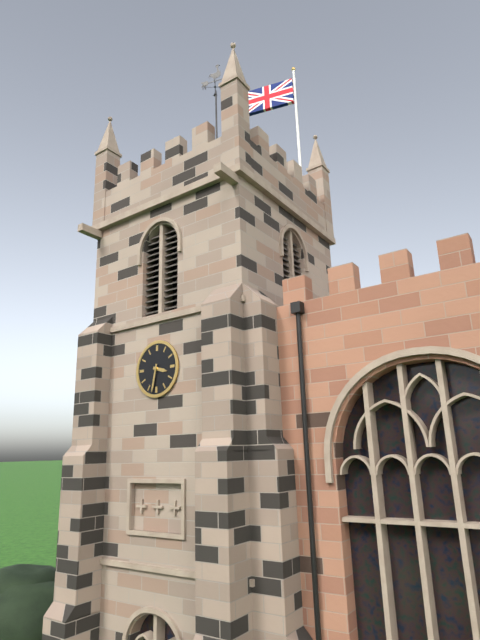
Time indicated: **3:32**
